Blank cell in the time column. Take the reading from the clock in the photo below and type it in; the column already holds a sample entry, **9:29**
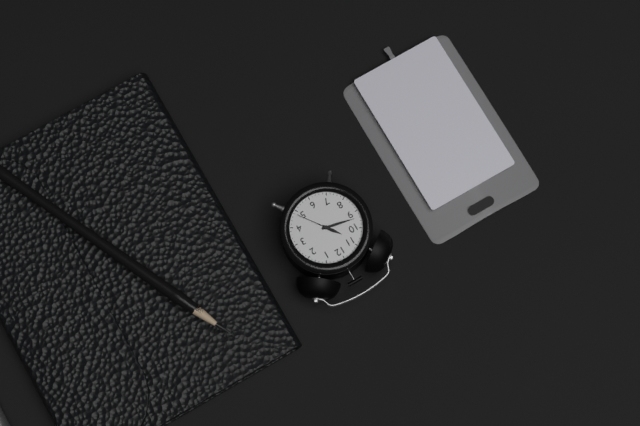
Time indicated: **10:47**
